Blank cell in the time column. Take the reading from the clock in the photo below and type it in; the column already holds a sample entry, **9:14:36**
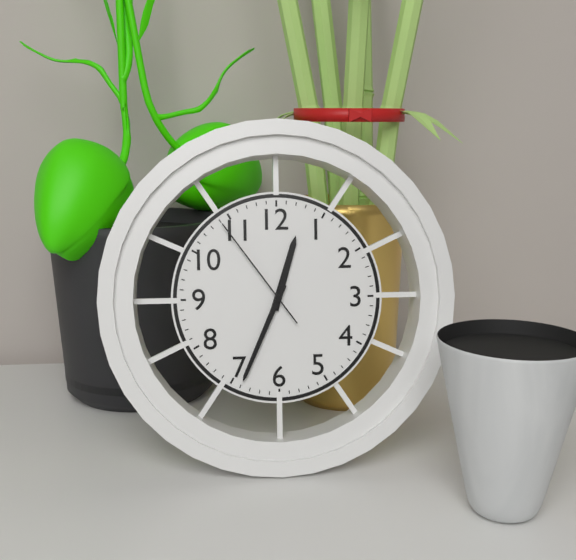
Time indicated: **12:34:54**
